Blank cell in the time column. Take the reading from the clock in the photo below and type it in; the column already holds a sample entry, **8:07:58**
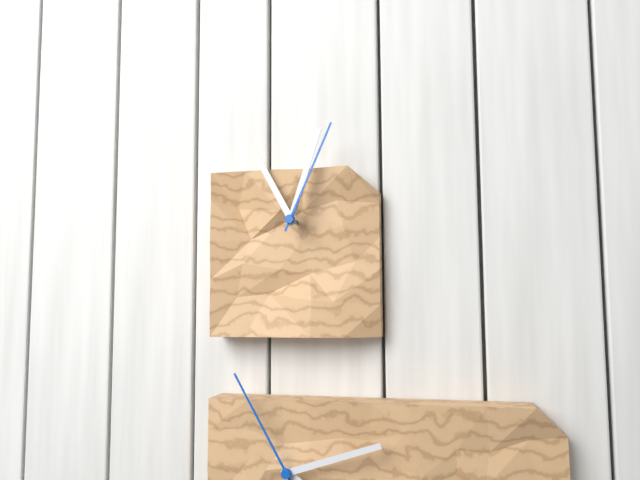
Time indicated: **11:03:04**
